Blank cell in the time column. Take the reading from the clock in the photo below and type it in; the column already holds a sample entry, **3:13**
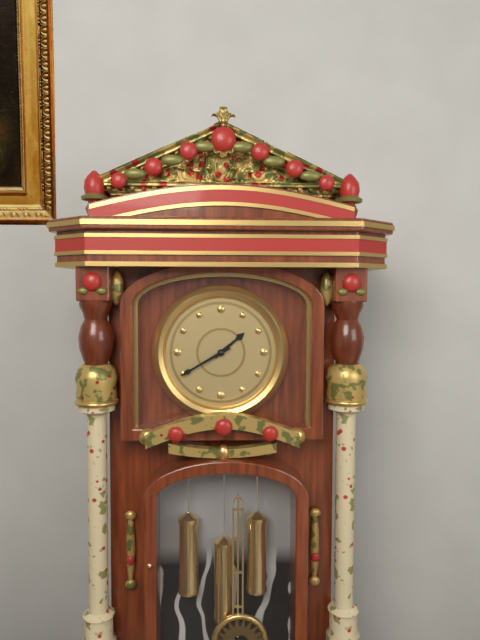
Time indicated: **1:40**
